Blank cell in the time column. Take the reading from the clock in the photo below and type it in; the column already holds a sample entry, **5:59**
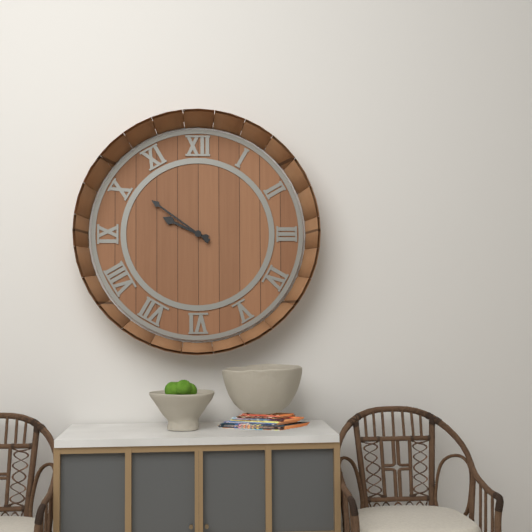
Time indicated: **9:51**
